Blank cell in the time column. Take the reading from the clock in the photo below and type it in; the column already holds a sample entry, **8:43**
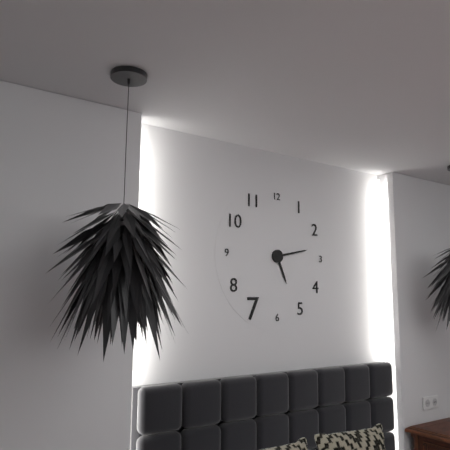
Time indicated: **5:13**
